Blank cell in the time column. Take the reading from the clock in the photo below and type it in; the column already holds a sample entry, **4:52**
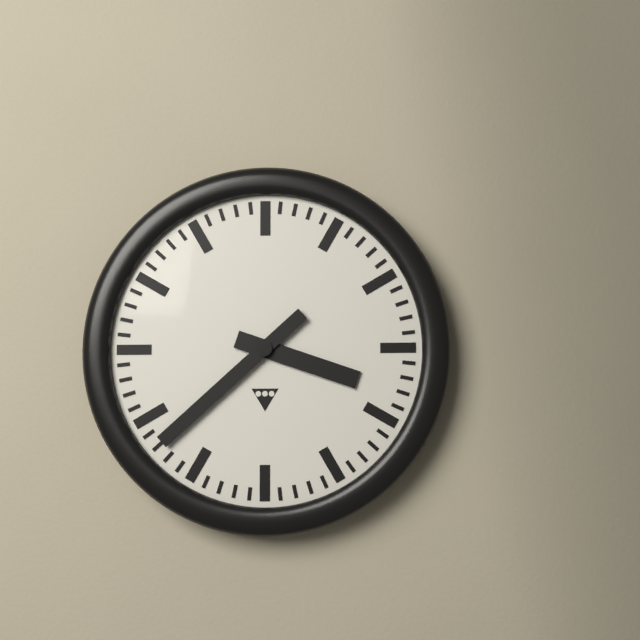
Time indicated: **3:38**
